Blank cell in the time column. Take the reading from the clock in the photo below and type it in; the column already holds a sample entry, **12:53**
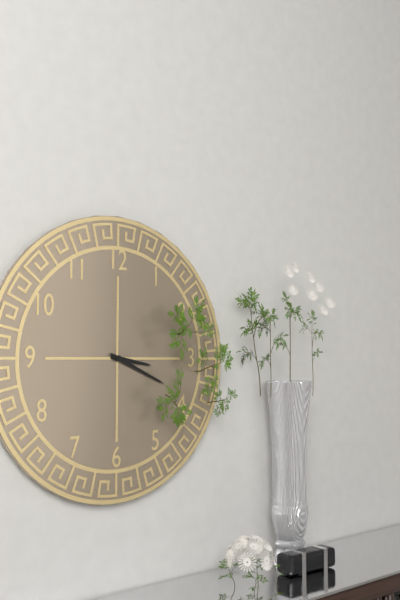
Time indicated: **3:19**
